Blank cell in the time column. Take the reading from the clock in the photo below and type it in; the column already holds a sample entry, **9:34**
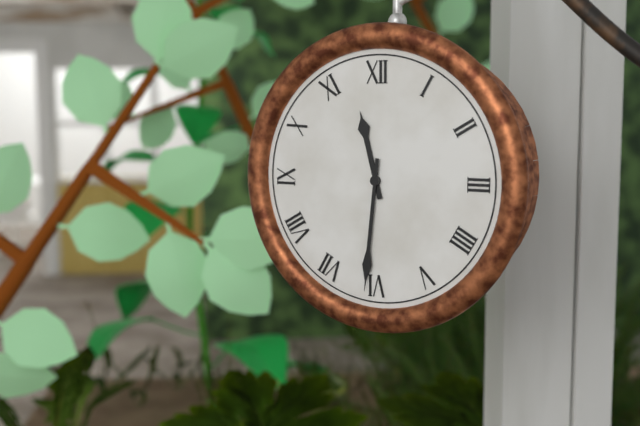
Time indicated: **11:31**
